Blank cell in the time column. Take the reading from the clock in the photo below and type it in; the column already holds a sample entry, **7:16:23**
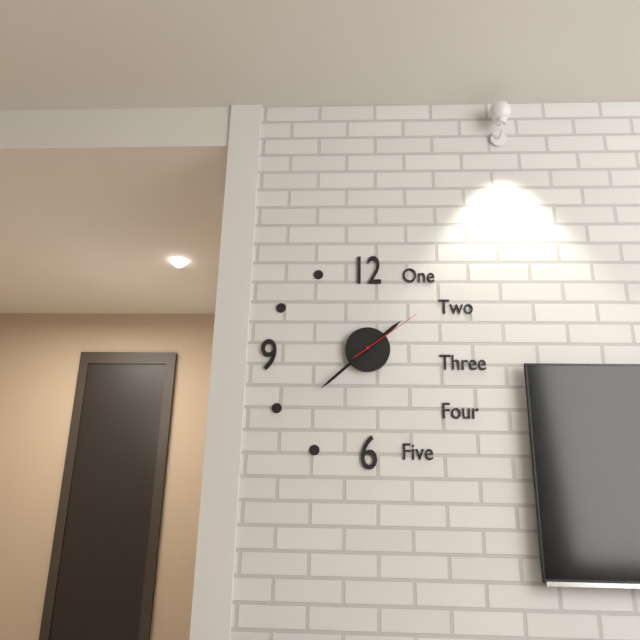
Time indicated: **1:38:09**
